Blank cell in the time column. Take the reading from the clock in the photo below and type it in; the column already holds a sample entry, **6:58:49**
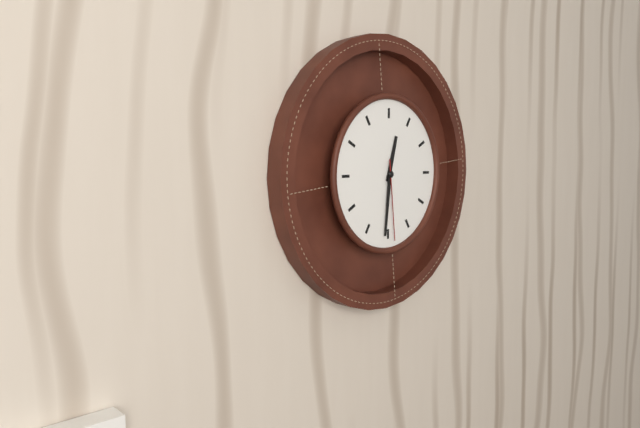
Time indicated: **12:31:29**
